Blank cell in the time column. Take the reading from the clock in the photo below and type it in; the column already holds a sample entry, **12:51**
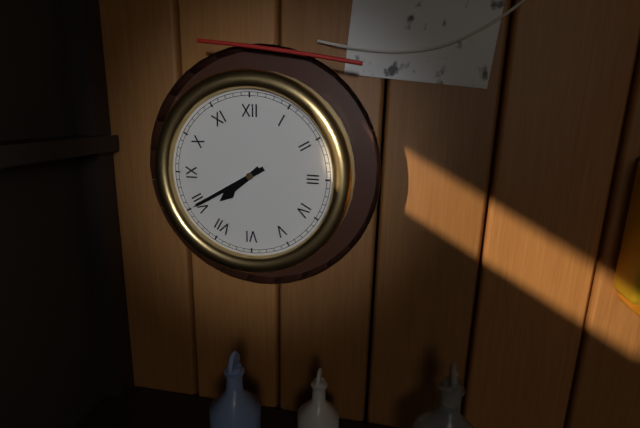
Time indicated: **7:40**
